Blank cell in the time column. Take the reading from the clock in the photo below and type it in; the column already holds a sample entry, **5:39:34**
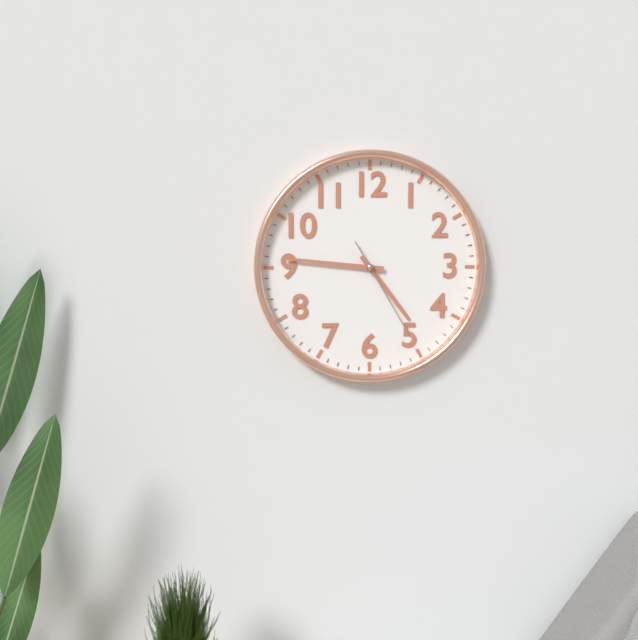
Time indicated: **4:46:25**
